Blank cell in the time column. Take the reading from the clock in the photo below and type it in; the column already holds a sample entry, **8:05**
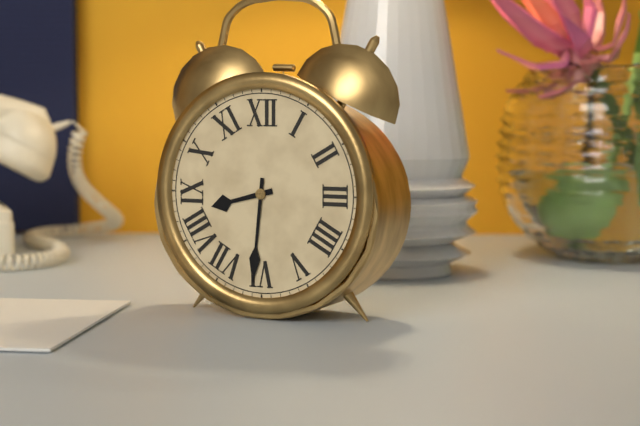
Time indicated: **8:31**
